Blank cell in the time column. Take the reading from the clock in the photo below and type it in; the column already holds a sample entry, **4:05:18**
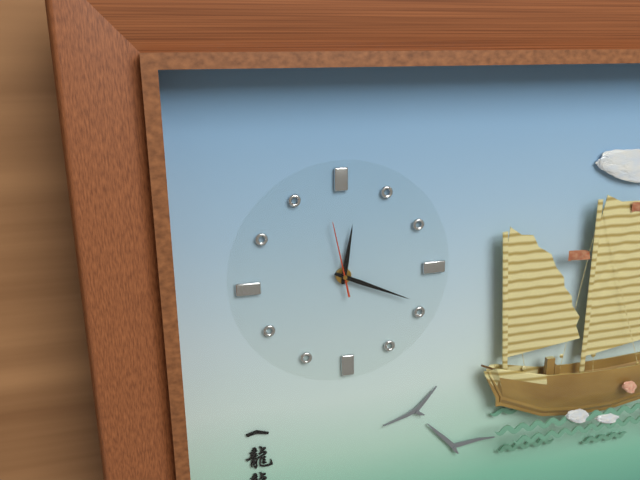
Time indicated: **12:19:58**
